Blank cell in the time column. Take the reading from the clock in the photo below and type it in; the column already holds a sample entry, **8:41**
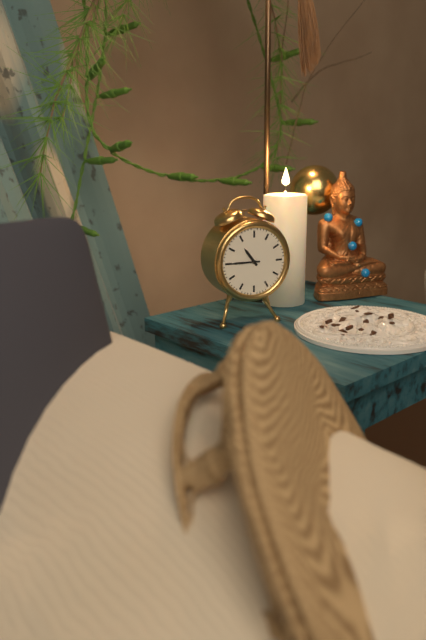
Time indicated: **10:45**
